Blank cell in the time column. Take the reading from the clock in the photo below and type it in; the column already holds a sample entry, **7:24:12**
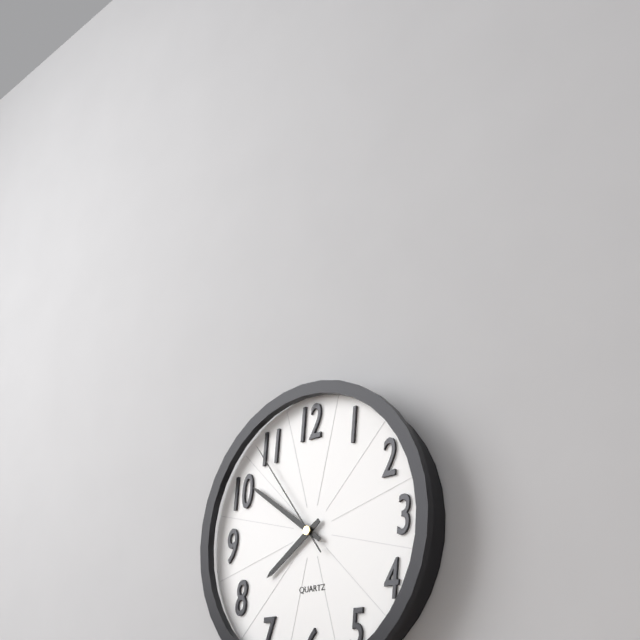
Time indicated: **7:51:54**
